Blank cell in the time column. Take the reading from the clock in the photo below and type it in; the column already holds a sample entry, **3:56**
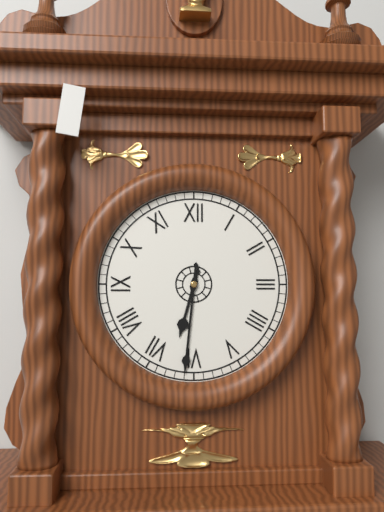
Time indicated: **6:31**
